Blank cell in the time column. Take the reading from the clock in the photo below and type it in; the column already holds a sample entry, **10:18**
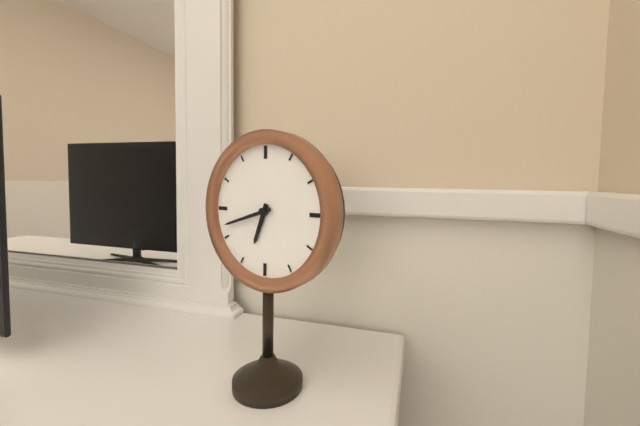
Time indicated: **6:42**
